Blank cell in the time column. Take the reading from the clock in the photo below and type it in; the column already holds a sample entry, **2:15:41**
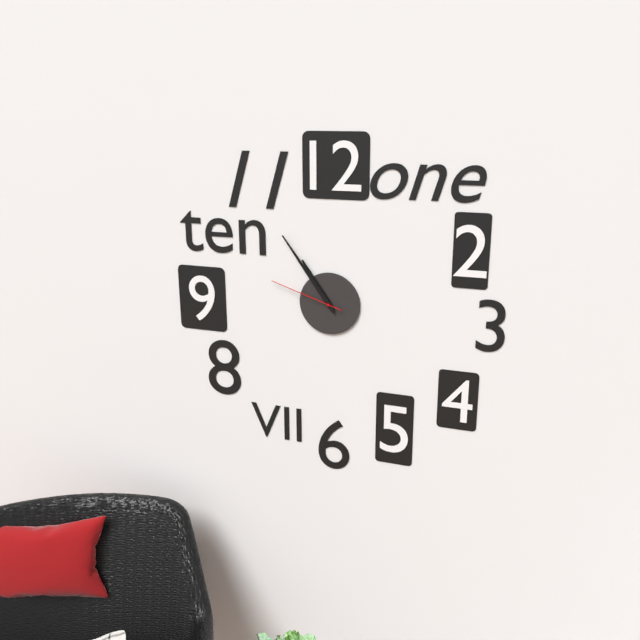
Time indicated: **10:54:48**
